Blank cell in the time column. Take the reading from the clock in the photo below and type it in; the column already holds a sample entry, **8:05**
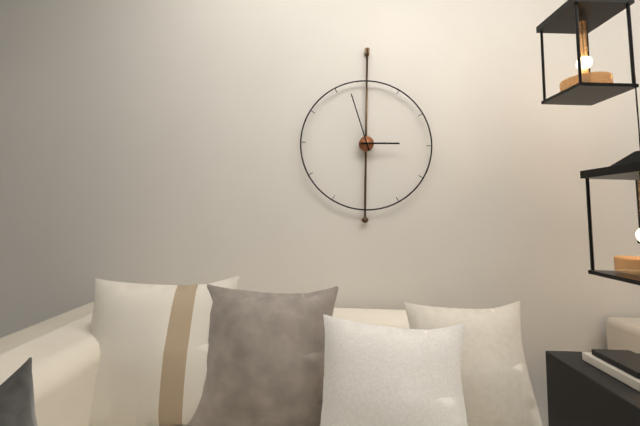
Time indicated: **2:57**
